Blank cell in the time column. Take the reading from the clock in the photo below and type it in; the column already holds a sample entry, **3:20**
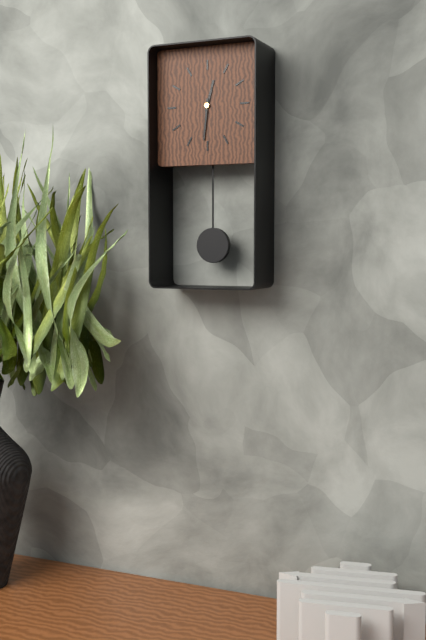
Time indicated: **12:31**
